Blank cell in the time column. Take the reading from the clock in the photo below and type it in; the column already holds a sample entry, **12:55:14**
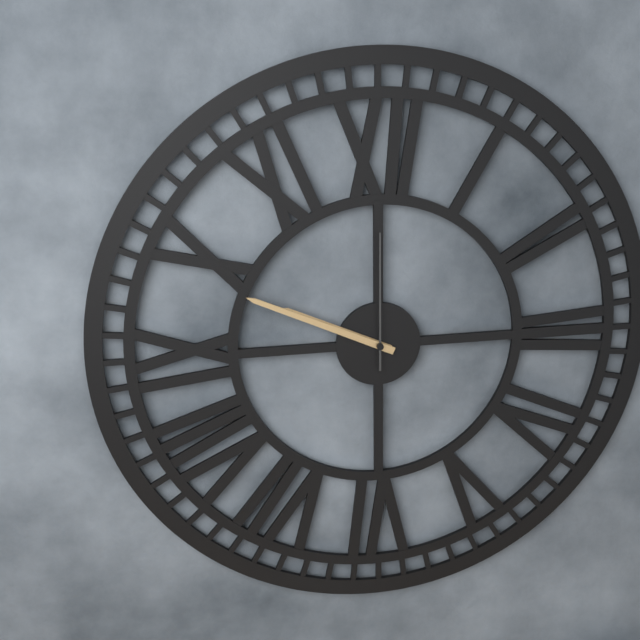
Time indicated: **9:49:00**
